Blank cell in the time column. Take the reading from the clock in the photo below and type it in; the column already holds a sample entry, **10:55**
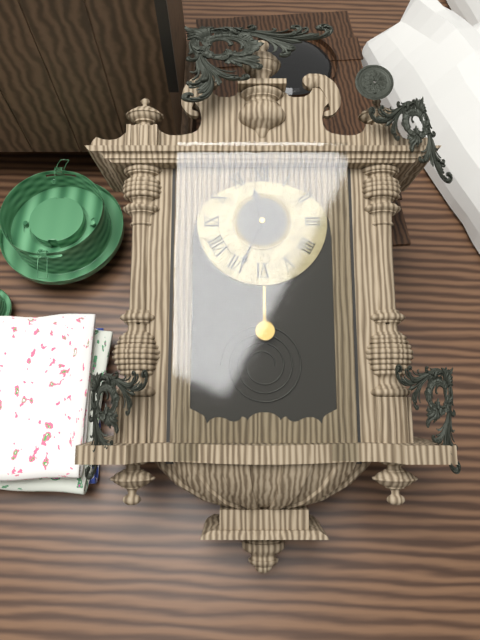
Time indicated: **11:34**
